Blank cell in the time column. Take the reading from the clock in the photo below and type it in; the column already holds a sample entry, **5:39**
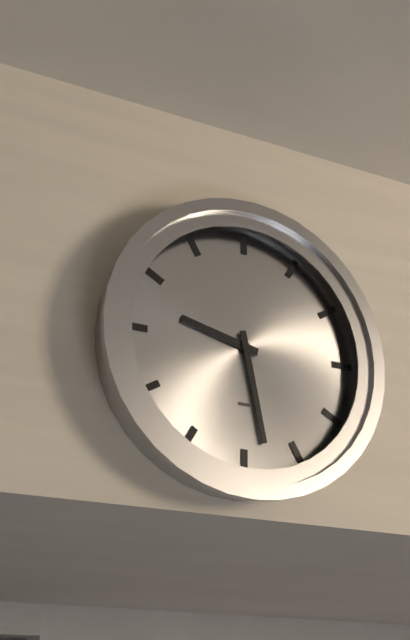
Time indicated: **9:28**
